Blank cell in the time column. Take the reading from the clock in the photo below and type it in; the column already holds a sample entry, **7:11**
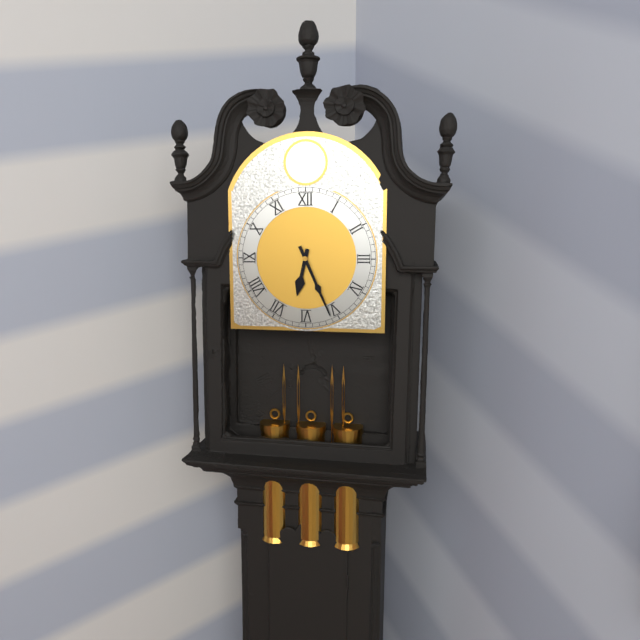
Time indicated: **6:26**
